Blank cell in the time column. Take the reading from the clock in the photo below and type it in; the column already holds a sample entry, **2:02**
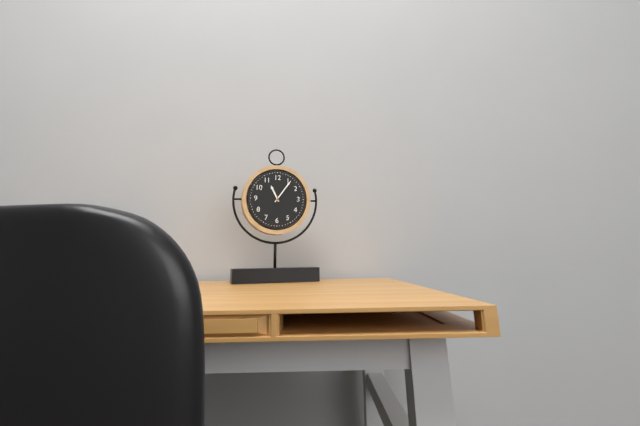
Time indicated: **11:06**
